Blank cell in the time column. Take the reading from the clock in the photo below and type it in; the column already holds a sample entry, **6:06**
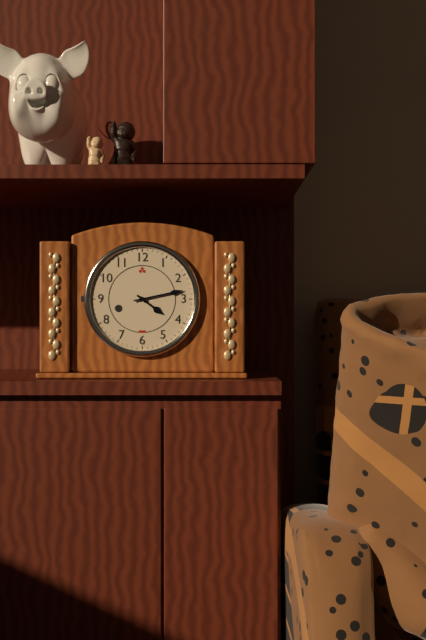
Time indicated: **4:13**
